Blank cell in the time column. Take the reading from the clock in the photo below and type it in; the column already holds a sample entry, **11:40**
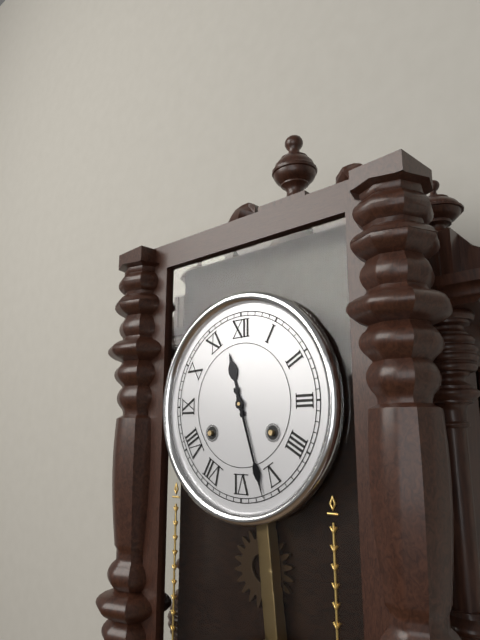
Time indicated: **11:27**
